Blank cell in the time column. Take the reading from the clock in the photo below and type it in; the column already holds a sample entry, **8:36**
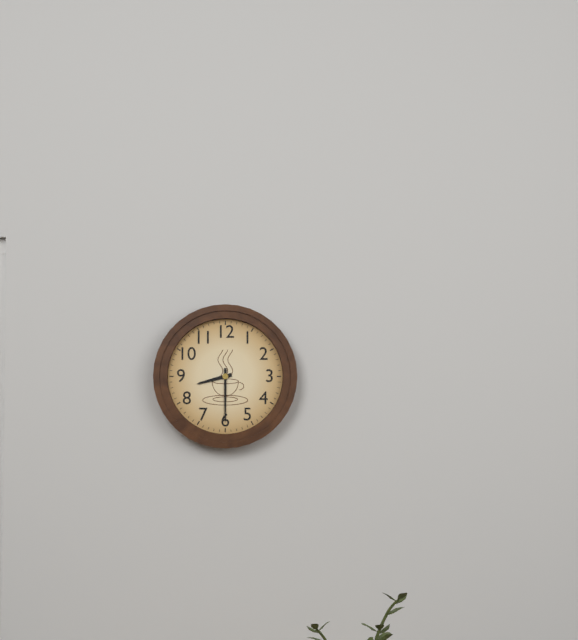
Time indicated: **8:30**
